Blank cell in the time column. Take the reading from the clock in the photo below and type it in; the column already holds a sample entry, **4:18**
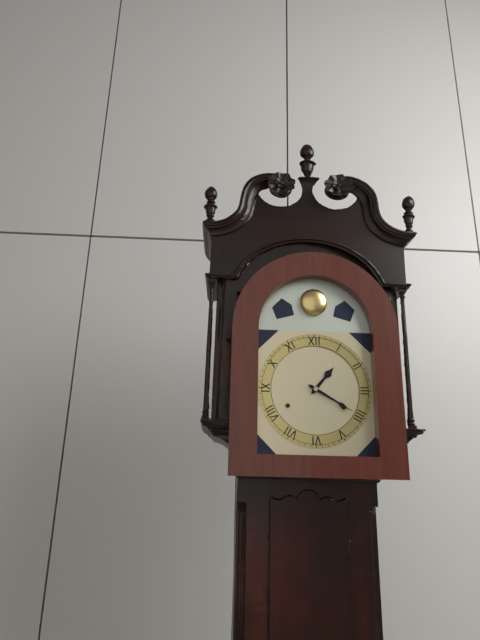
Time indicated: **1:20**
